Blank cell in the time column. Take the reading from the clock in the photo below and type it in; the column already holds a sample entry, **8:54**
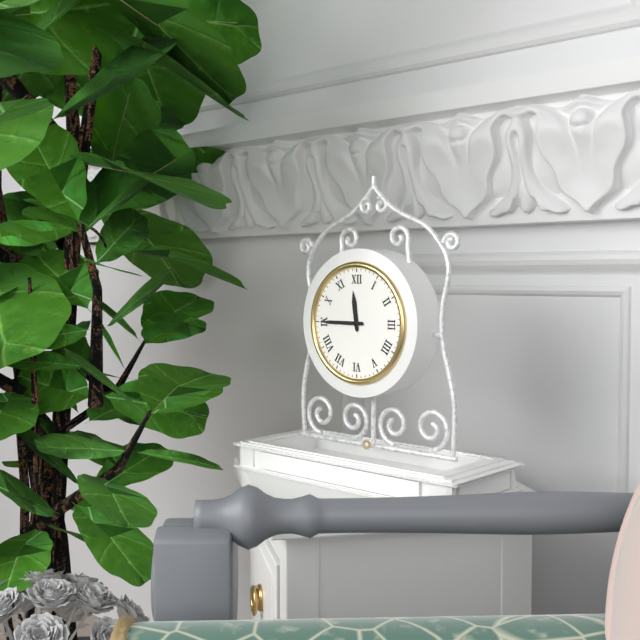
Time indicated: **11:45**
